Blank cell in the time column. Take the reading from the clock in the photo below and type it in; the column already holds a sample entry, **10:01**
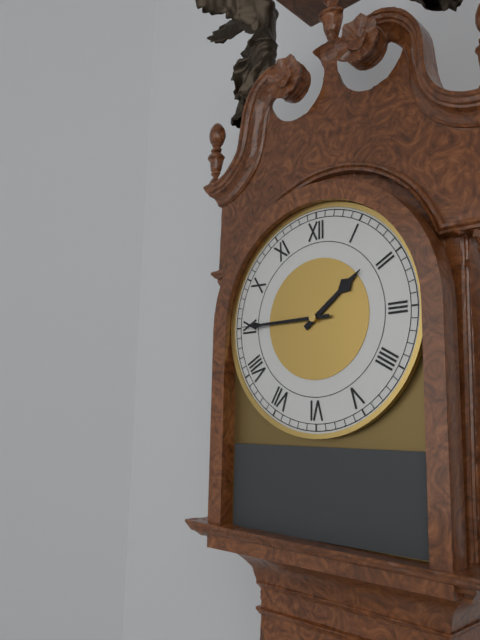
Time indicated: **1:45**
